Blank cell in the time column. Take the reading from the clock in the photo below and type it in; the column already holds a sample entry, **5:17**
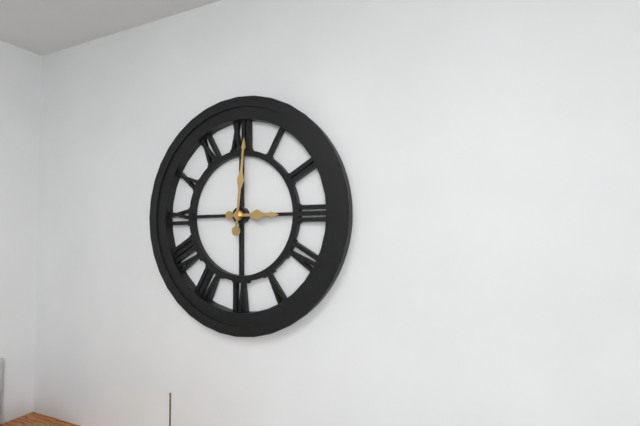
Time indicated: **3:01**
